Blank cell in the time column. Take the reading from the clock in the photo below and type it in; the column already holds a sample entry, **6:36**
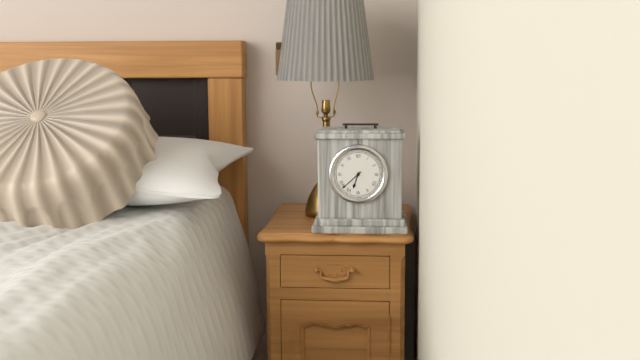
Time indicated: **6:38**
